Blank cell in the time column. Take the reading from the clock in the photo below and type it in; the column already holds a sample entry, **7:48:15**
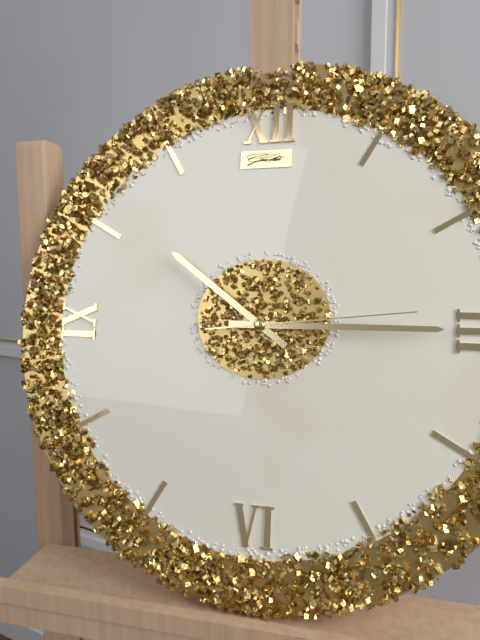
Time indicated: **10:15:14**
